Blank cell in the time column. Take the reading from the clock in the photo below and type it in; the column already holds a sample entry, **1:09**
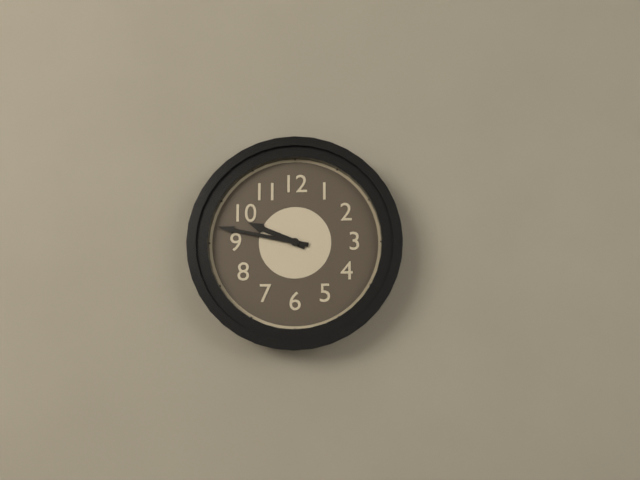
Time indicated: **9:47**
